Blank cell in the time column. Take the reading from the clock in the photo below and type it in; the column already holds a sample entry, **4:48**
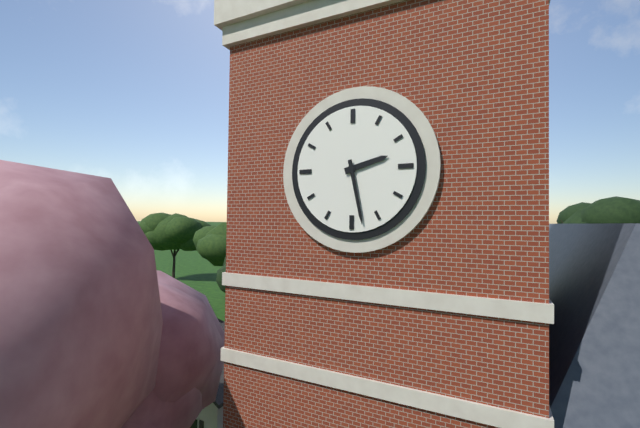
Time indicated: **2:28**
